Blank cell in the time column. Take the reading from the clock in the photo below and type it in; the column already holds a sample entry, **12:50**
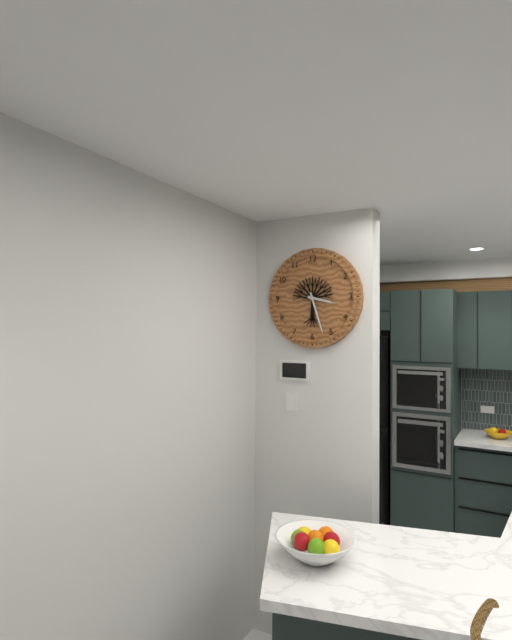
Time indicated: **3:27**
